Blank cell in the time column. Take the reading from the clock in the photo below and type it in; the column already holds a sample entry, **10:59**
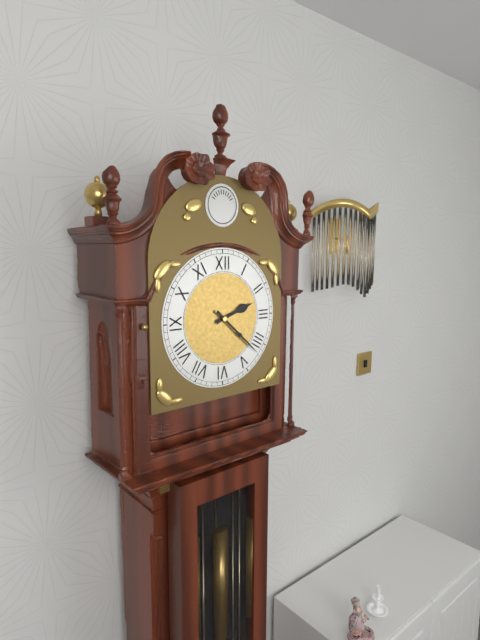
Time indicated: **2:22**
